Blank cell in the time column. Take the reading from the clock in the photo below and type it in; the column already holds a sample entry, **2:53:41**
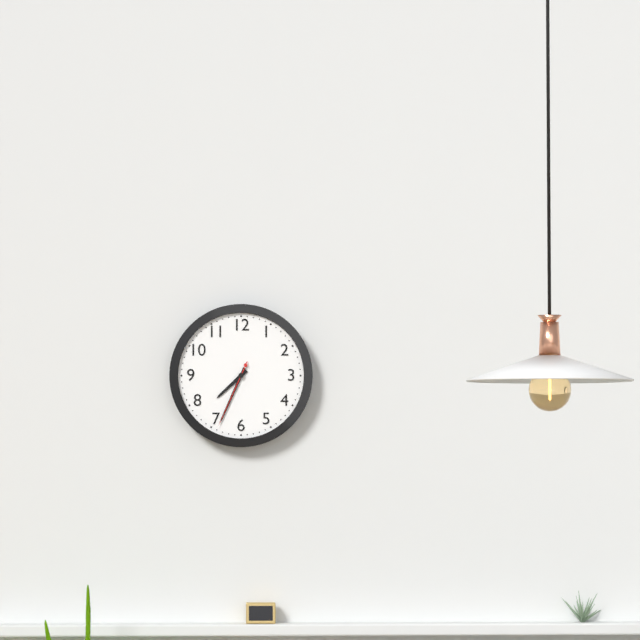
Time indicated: **7:34:34**
